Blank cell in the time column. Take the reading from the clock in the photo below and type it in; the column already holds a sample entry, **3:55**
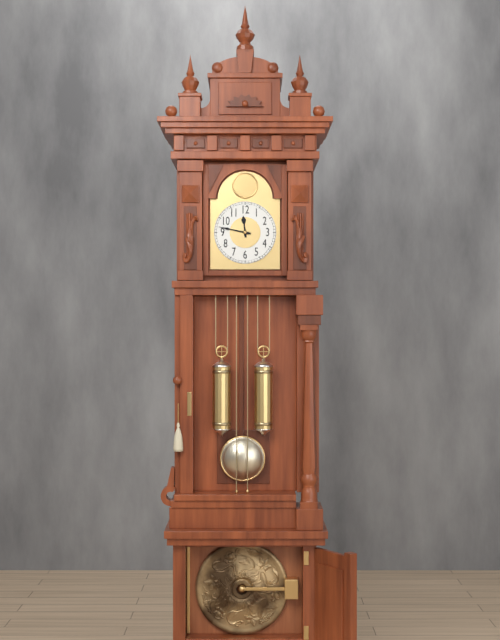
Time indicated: **11:47**
